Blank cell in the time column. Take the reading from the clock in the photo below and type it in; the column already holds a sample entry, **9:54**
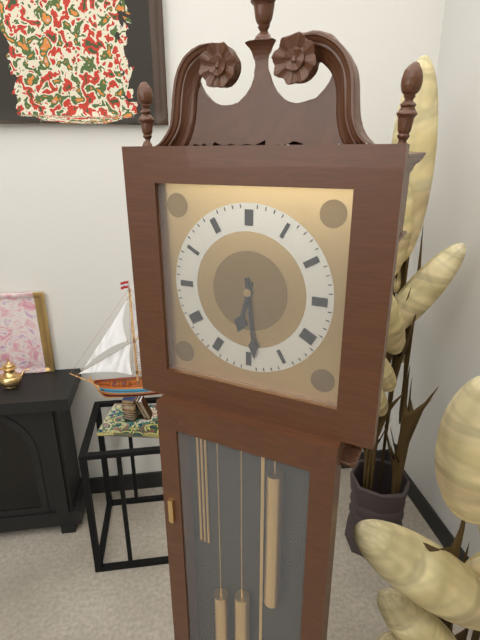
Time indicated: **6:29**
